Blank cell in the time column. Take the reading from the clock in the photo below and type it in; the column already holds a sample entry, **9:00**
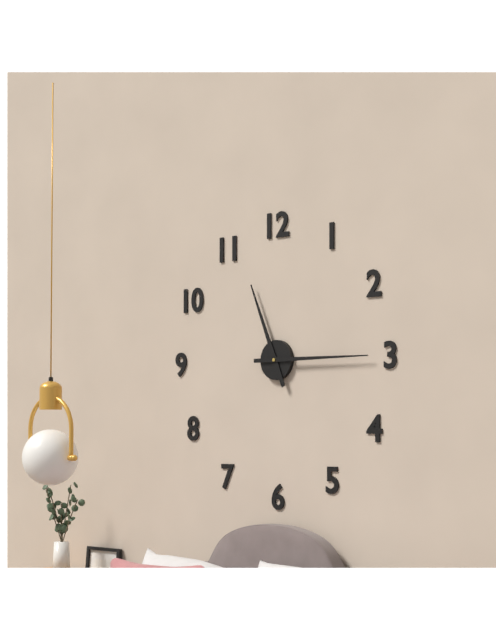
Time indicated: **11:15**
